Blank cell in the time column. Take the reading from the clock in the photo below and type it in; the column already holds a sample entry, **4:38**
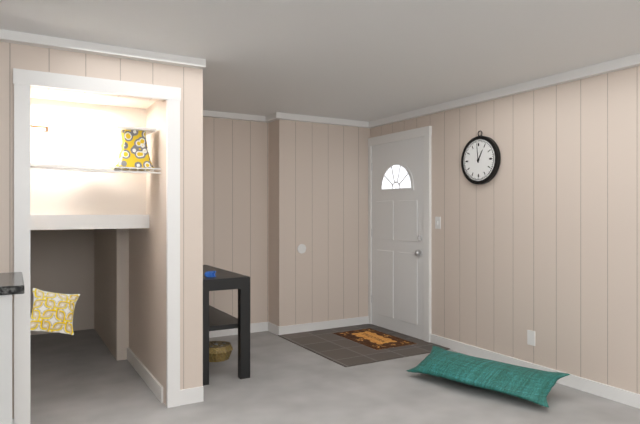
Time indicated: **12:59**
